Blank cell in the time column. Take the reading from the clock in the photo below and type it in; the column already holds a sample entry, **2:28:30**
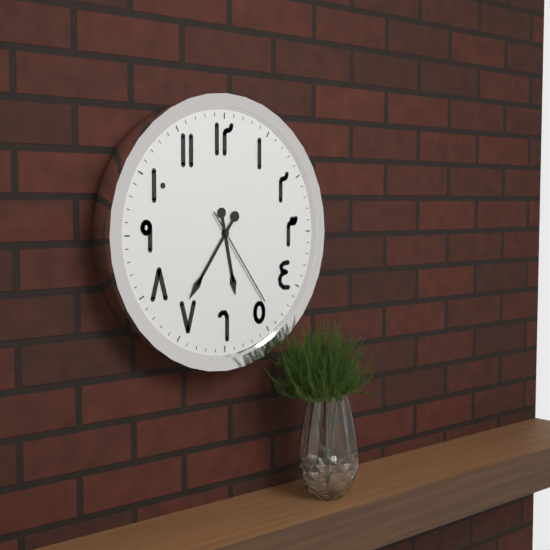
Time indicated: **5:36:24**
